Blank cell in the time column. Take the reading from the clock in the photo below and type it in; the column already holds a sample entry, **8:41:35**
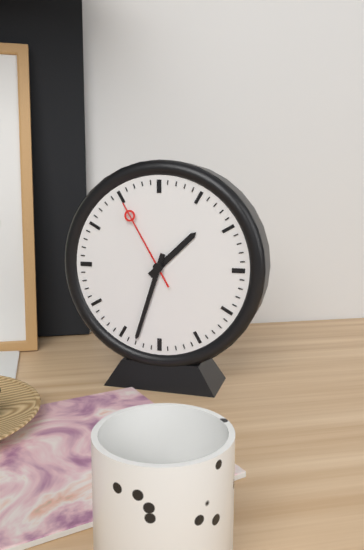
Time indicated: **1:33:55**
